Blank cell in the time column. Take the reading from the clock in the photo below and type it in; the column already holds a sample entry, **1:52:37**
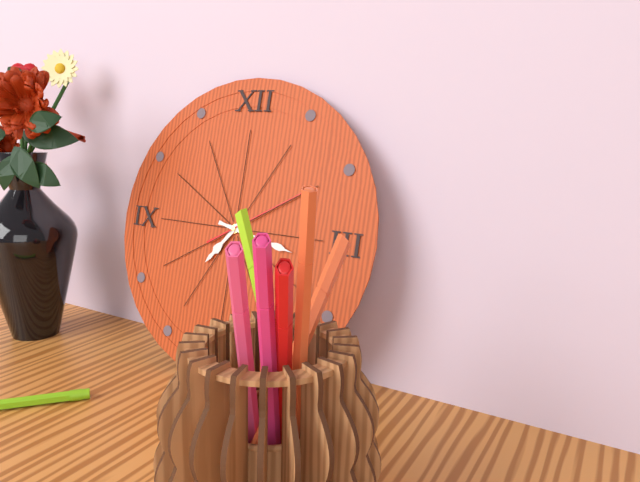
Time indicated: **7:17:10**
